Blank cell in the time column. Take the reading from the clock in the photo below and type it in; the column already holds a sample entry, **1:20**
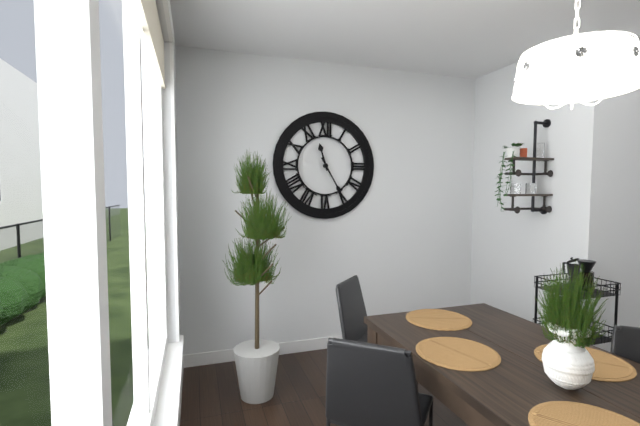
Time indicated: **11:25**
